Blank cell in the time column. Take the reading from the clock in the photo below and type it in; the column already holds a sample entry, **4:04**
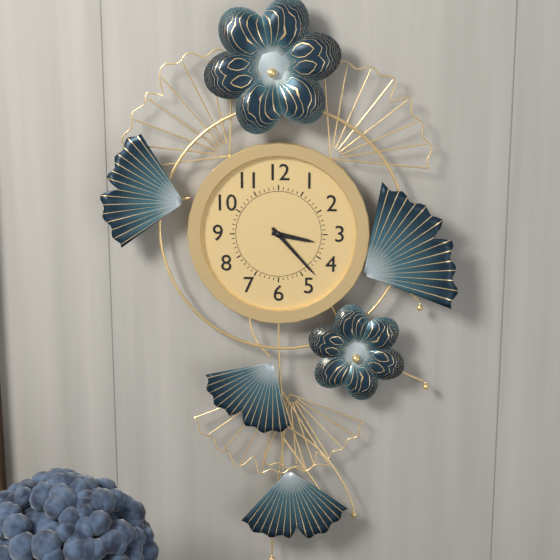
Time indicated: **3:23**
